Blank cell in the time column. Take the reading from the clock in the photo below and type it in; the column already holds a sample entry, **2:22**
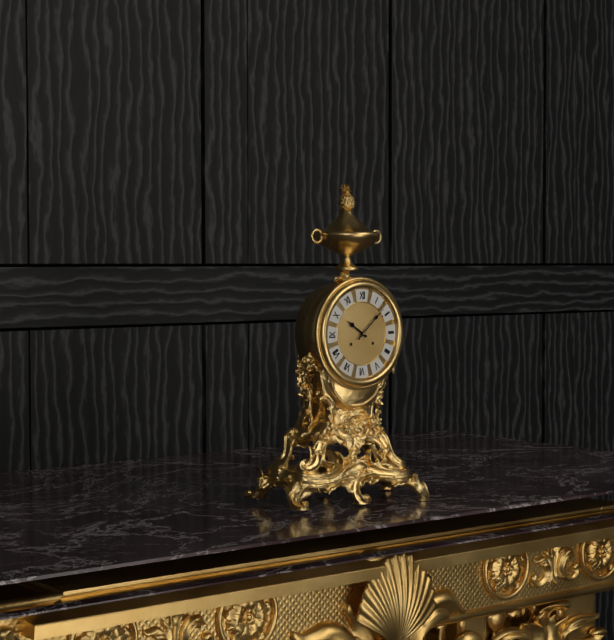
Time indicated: **10:08**
